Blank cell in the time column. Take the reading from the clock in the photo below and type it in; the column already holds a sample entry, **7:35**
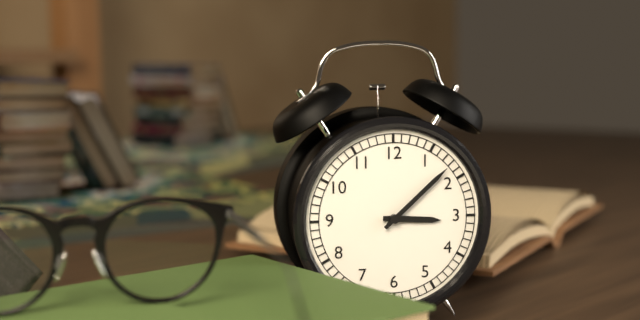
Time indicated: **3:08**
